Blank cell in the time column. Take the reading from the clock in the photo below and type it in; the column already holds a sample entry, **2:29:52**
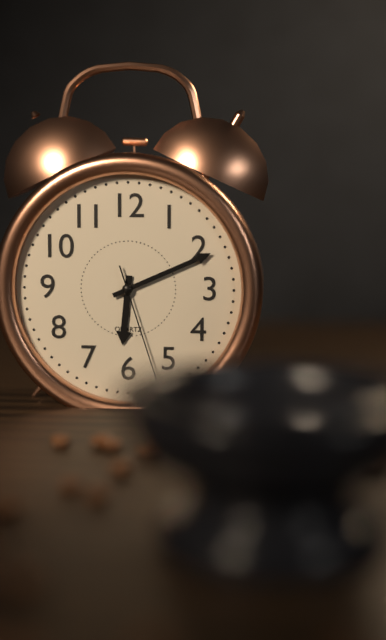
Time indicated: **6:11:27**
